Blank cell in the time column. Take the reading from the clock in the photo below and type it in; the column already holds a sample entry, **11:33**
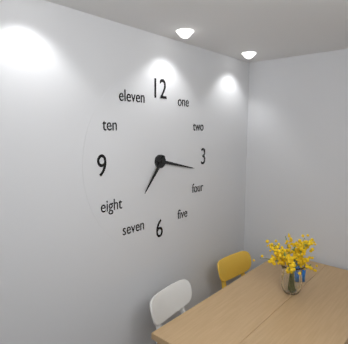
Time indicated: **7:17**
